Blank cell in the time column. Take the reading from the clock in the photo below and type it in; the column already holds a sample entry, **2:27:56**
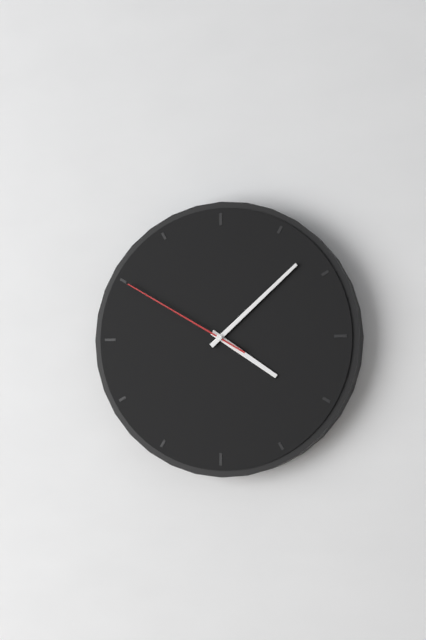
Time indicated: **4:08:50**
